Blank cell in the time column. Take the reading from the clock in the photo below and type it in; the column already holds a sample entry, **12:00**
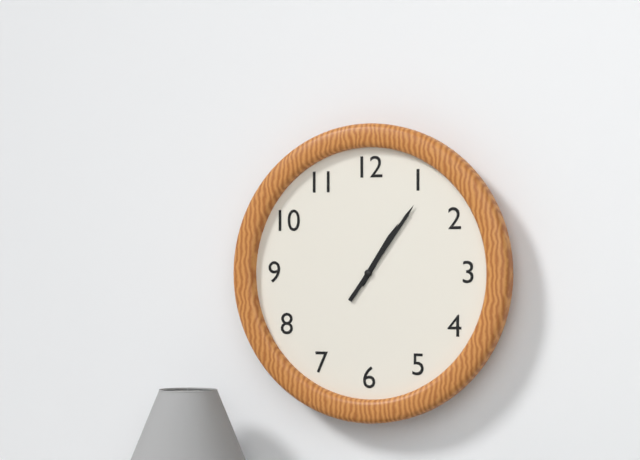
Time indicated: **1:06**
